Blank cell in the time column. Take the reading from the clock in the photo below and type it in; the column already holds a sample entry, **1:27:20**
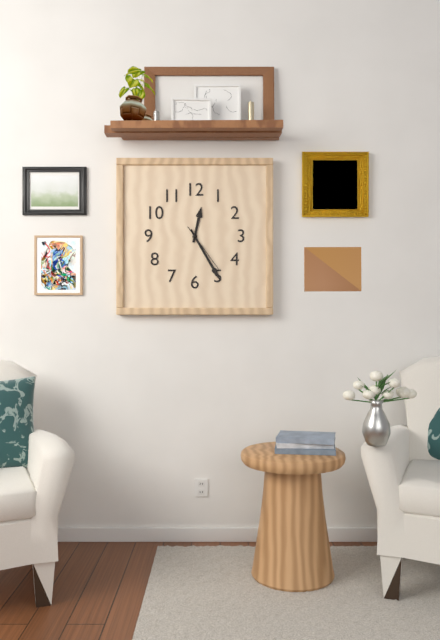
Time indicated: **12:25:24**
